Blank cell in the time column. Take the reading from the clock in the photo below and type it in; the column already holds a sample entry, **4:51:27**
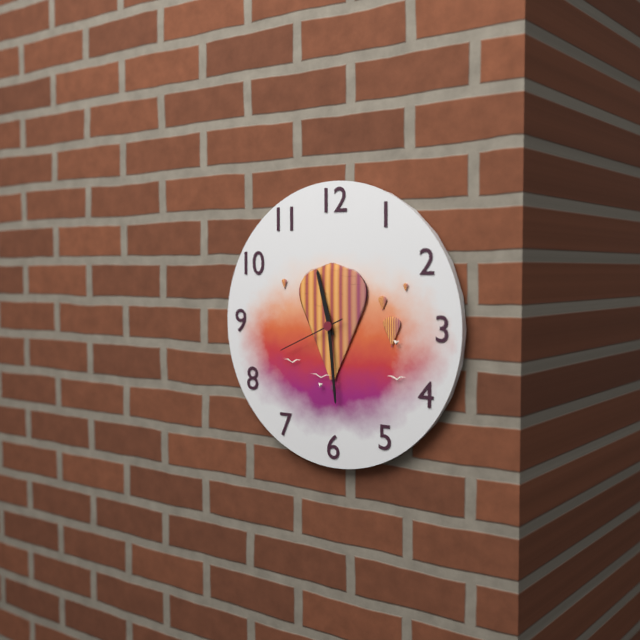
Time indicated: **11:29:41**
